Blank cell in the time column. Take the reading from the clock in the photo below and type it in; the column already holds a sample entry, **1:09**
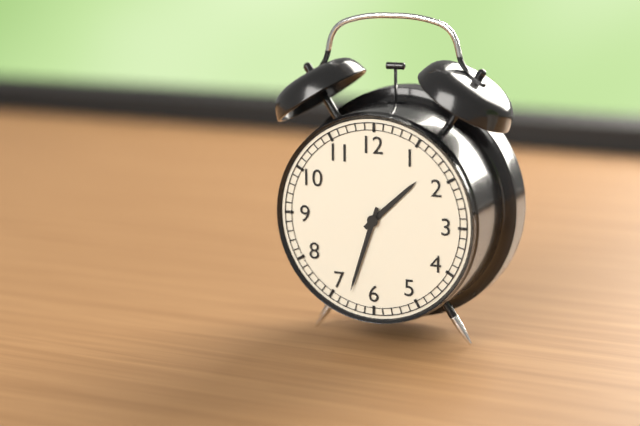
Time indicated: **1:33**
